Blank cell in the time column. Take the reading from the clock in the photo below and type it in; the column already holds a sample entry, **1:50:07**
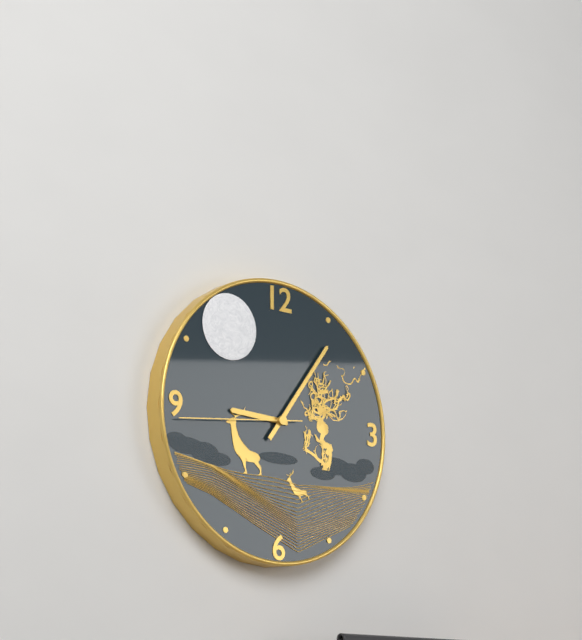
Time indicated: **9:06:44**
